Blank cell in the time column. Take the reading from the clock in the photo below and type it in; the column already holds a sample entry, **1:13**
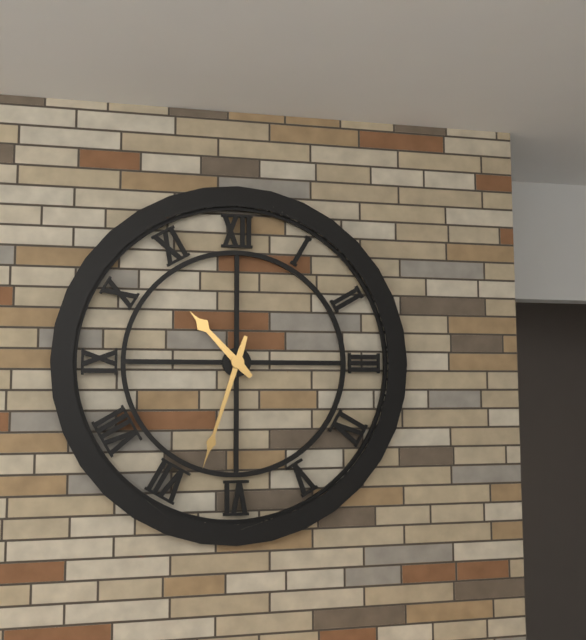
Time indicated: **10:33**
